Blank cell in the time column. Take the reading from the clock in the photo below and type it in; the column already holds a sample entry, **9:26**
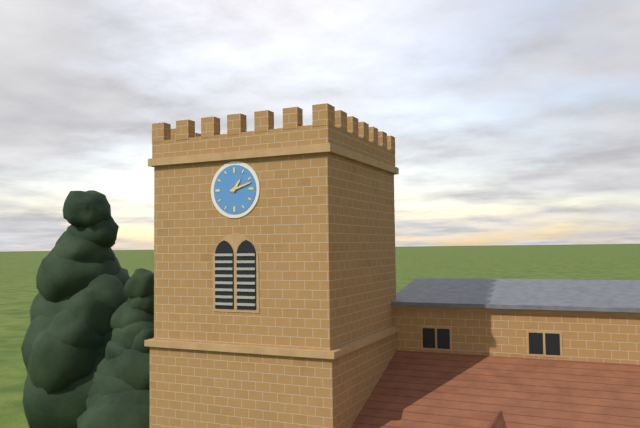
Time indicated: **1:12**
